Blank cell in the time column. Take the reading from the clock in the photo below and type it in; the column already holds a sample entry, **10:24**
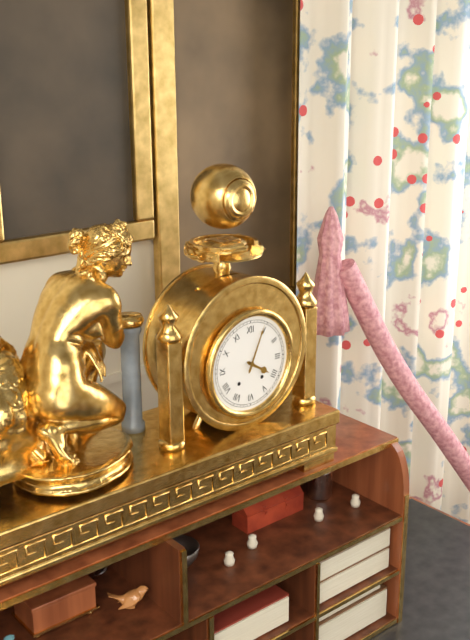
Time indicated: **4:04**
